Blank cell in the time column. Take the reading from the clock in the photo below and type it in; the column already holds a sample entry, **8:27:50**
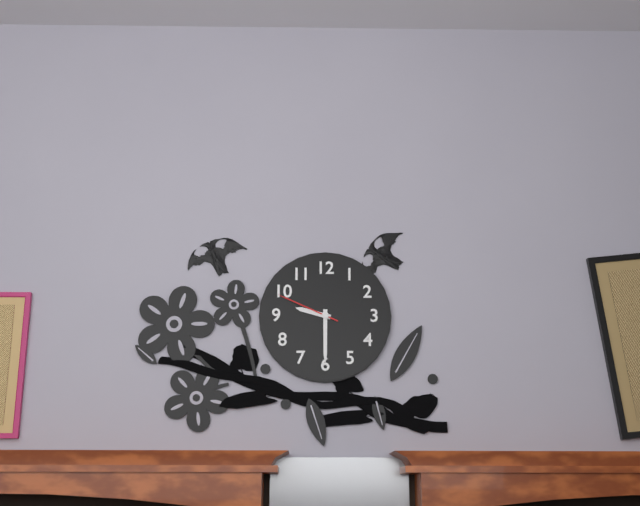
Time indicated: **9:30:49**
